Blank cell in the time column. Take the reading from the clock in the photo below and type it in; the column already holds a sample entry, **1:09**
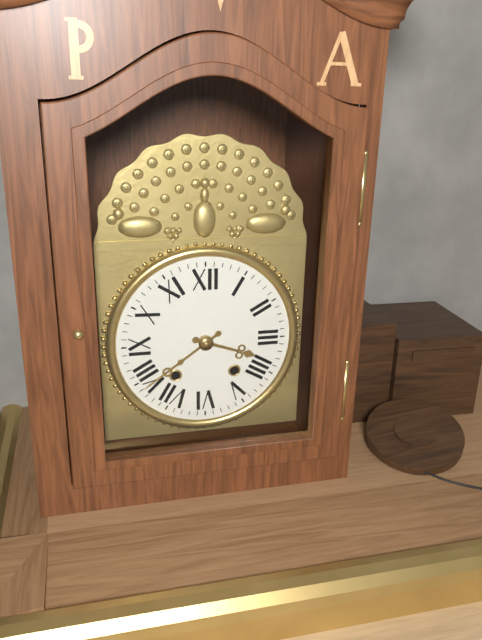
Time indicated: **3:39**
